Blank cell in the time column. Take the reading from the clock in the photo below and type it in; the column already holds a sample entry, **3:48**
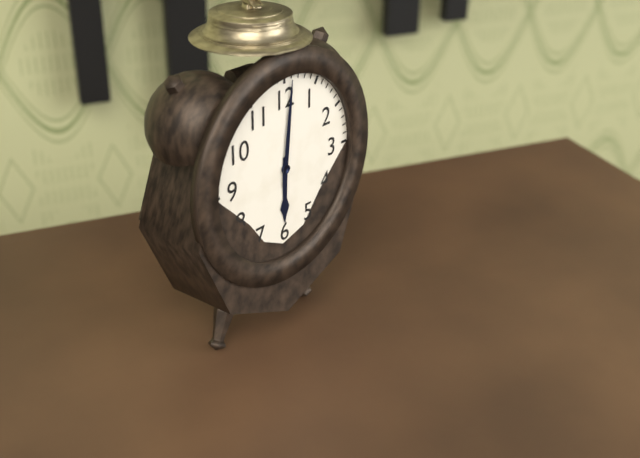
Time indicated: **6:01**
